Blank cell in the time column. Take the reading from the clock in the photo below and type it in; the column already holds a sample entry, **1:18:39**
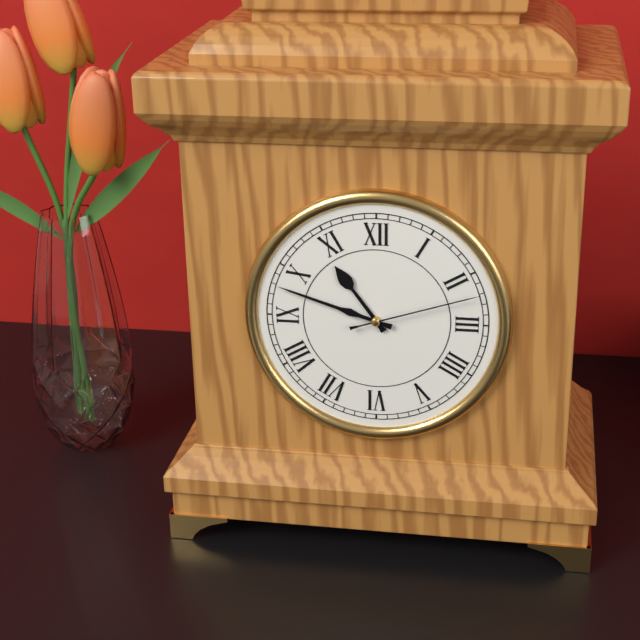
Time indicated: **10:48:12**
